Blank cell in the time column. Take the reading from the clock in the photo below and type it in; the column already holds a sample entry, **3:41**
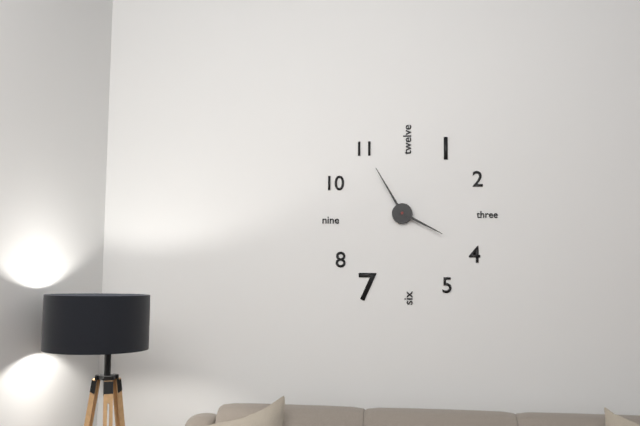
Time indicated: **3:55**
